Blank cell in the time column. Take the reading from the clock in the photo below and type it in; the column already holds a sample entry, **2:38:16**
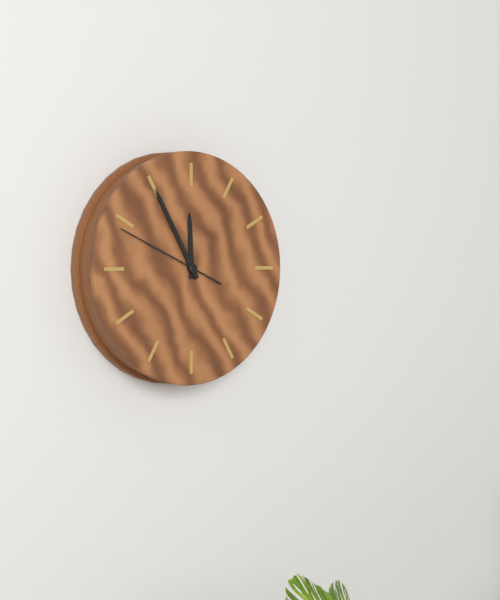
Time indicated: **11:55:49**
